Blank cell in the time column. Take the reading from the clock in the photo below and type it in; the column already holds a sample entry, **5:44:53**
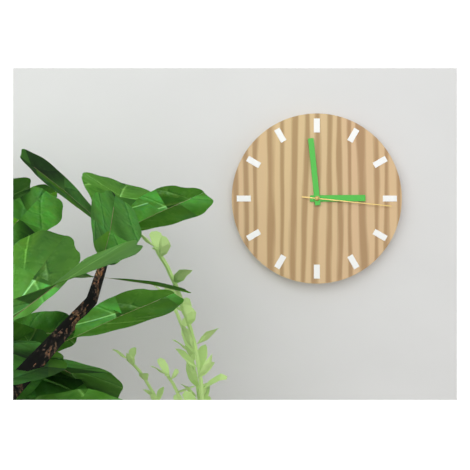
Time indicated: **2:59:16**
